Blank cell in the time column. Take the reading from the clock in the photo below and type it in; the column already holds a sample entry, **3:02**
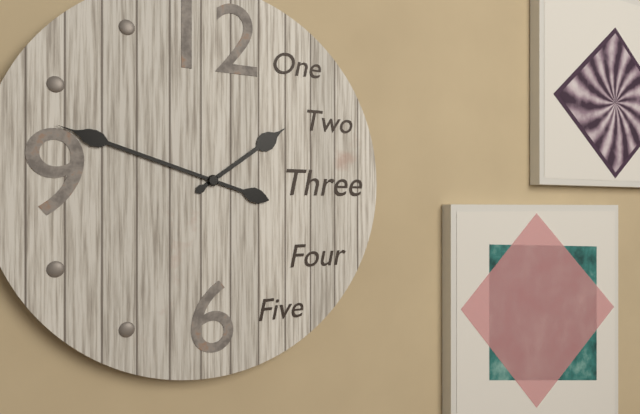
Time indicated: **1:48**
